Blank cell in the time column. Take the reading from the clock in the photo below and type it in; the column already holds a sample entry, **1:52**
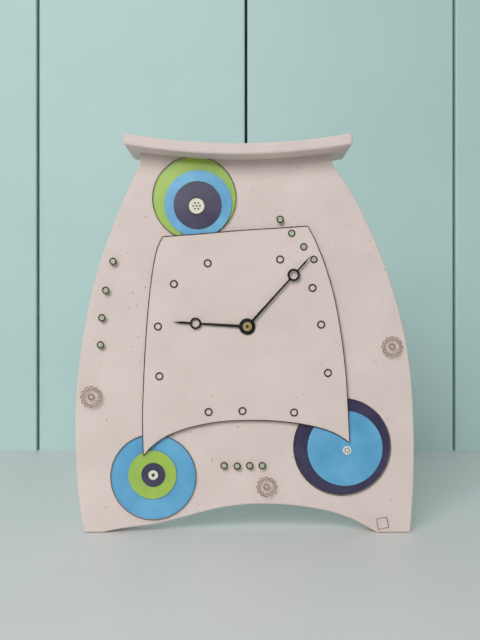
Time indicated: **9:07**
